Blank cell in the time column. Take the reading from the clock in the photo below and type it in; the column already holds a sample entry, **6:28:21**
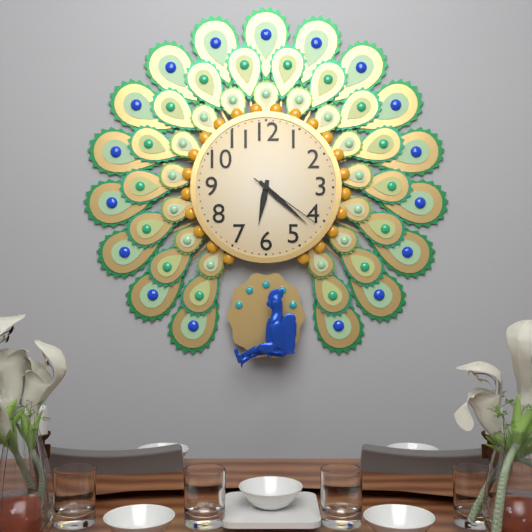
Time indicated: **6:22:21**
